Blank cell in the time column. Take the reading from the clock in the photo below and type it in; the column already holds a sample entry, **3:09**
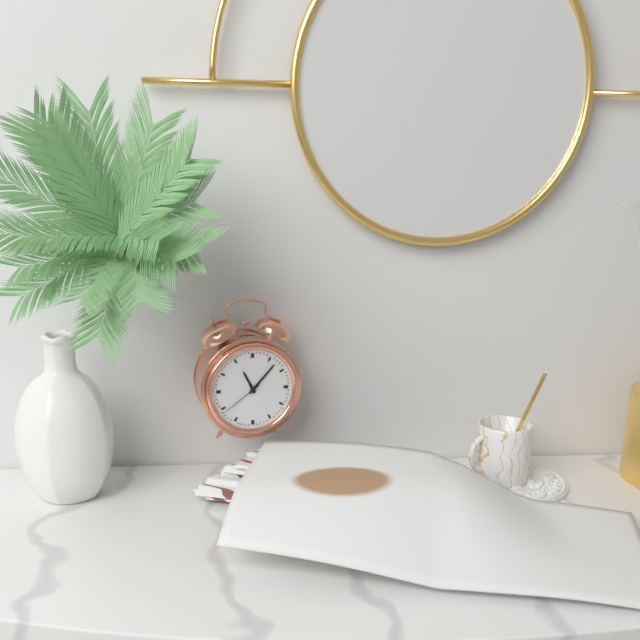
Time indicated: **11:07**
